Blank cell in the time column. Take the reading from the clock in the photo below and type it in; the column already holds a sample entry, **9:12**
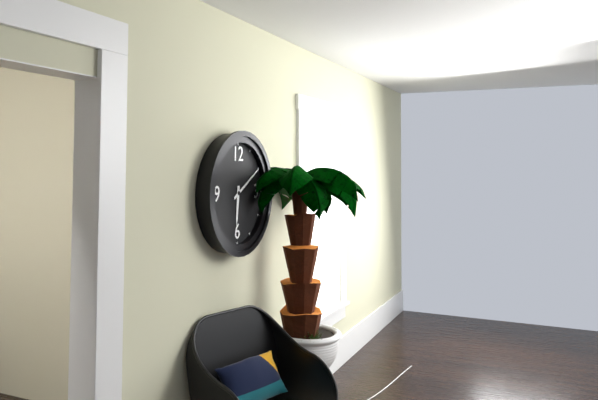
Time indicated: **6:10**
